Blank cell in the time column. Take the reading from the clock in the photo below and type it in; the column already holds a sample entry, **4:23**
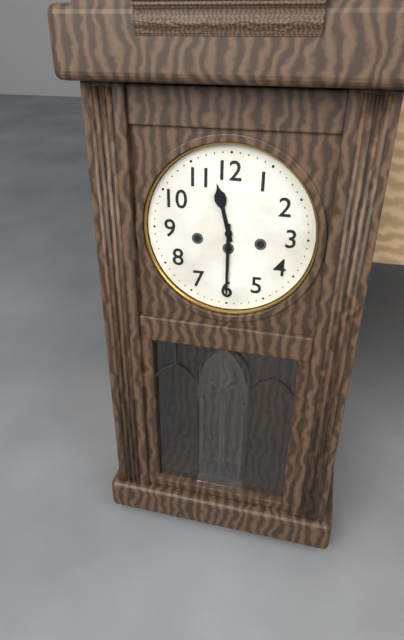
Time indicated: **11:30**
